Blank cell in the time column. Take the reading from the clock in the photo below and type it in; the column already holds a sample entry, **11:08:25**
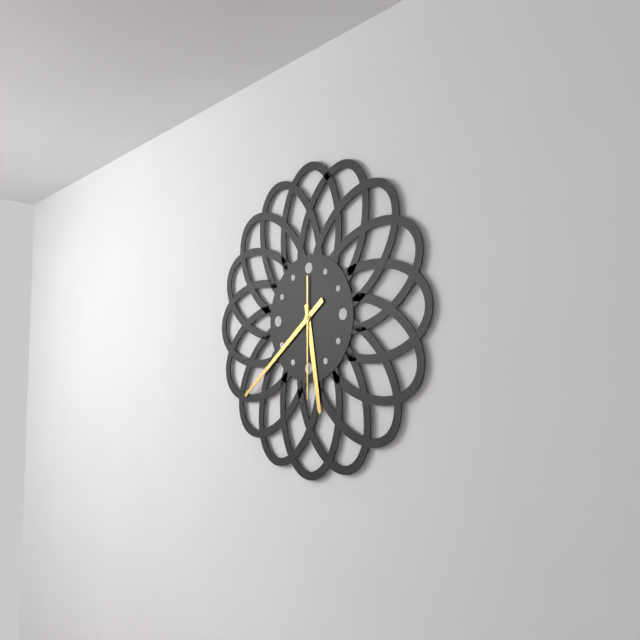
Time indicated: **5:39:30**
